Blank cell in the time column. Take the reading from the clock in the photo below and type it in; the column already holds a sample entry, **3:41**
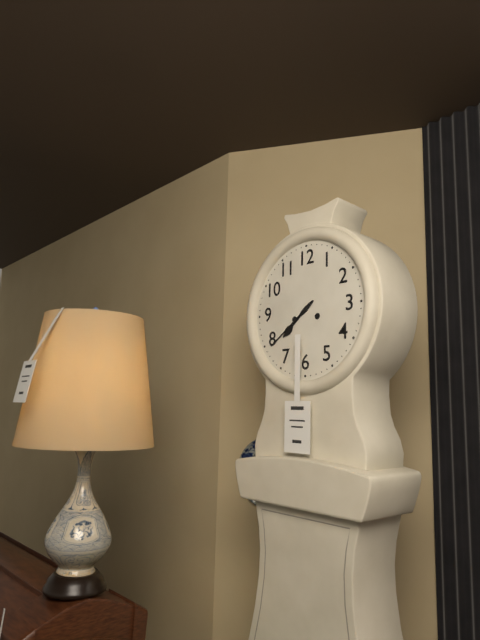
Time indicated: **7:39**
